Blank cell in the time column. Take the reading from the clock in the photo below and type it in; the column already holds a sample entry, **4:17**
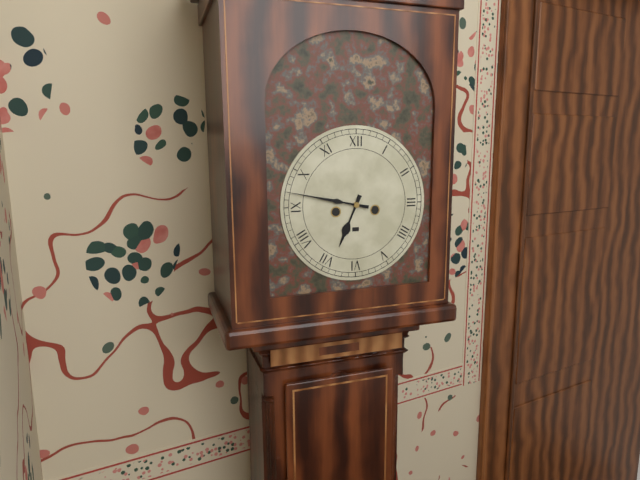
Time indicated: **6:47**
